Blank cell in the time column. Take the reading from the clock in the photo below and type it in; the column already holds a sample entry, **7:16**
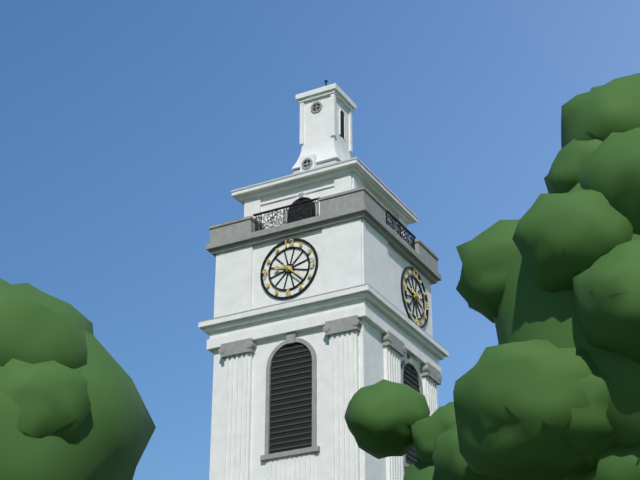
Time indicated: **9:22**
